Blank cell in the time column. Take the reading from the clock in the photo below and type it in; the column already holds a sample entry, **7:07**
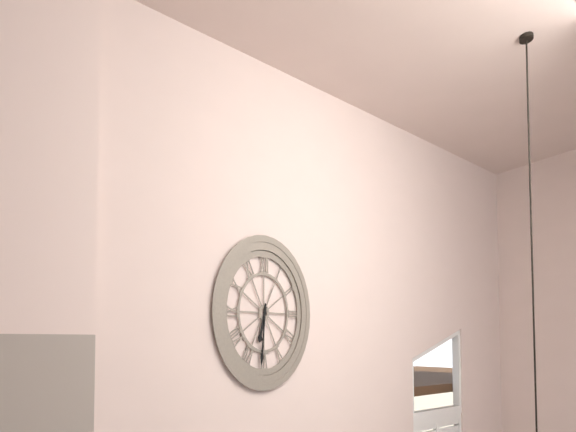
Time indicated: **6:31**
